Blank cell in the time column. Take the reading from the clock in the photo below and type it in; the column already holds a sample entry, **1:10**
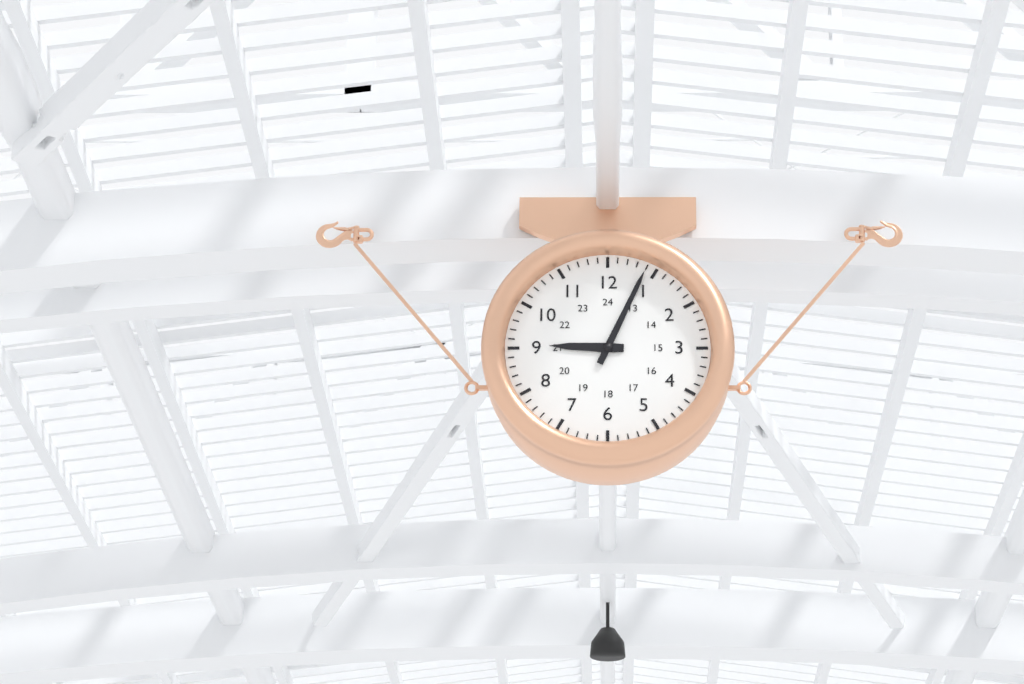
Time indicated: **9:04**
